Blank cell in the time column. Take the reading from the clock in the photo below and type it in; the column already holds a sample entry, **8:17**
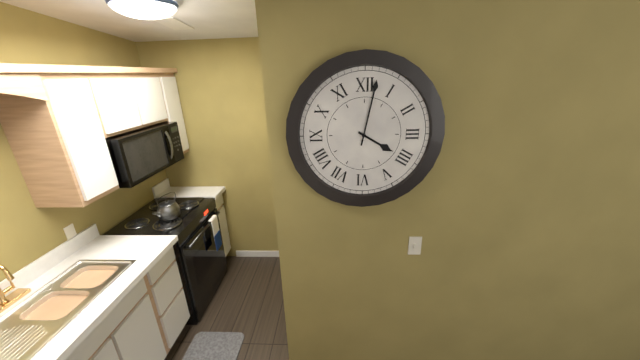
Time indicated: **4:02**
